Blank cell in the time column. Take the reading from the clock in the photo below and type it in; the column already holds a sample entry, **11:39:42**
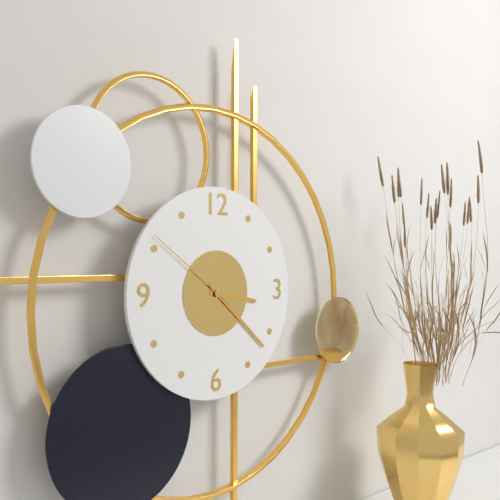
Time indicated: **3:22:51**
